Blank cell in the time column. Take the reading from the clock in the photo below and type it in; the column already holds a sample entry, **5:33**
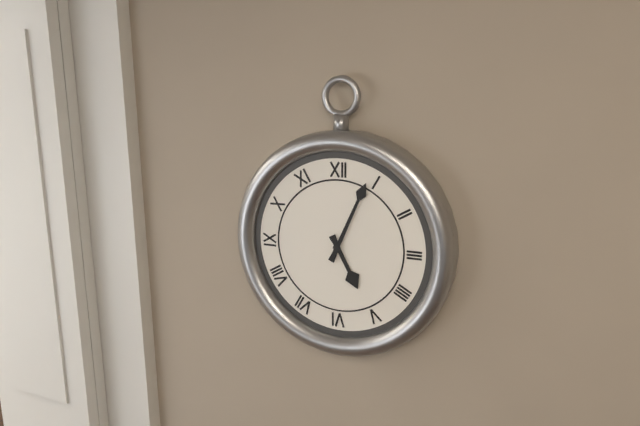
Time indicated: **5:04**
